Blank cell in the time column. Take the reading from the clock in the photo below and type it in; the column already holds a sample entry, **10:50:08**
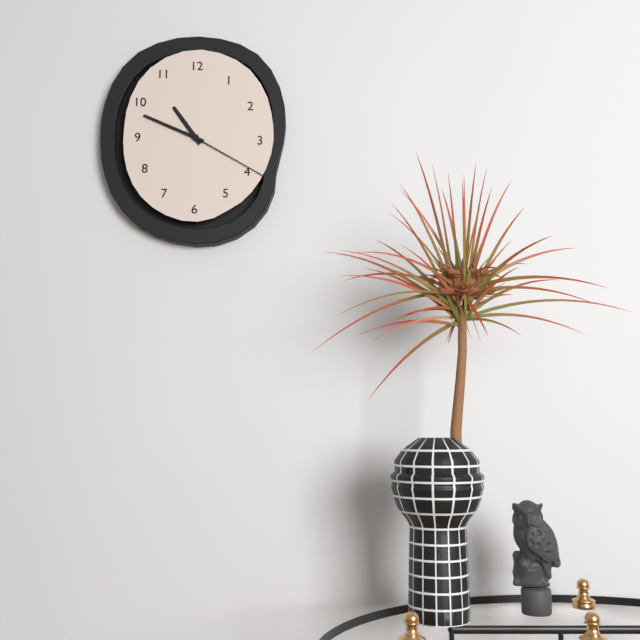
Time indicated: **10:49:20**
